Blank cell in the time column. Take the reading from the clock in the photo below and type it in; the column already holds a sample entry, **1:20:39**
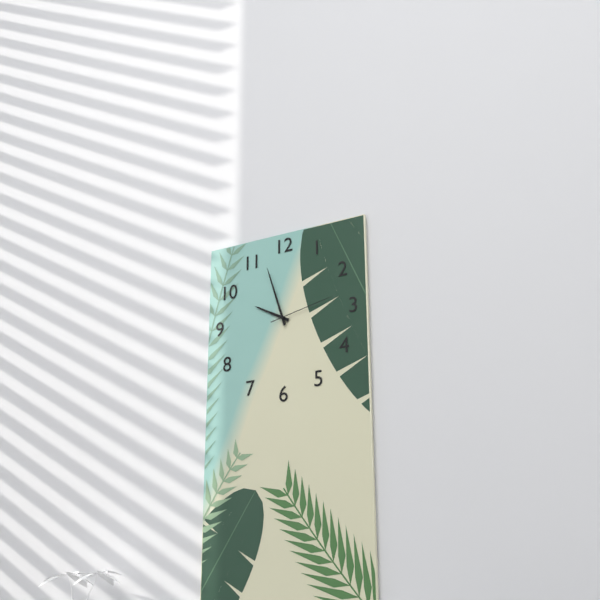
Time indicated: **9:57:13**
